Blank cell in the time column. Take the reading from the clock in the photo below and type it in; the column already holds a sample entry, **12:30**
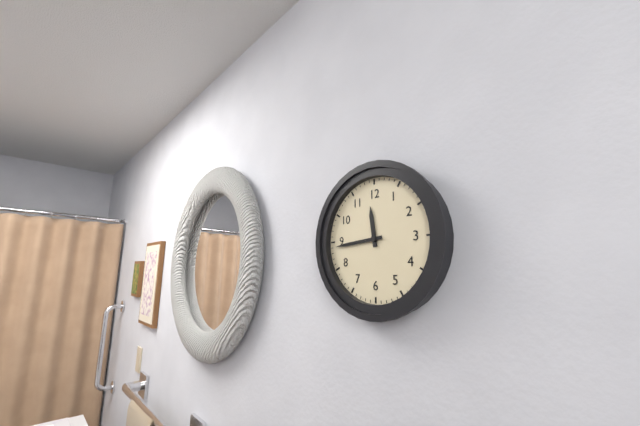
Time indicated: **11:44**
